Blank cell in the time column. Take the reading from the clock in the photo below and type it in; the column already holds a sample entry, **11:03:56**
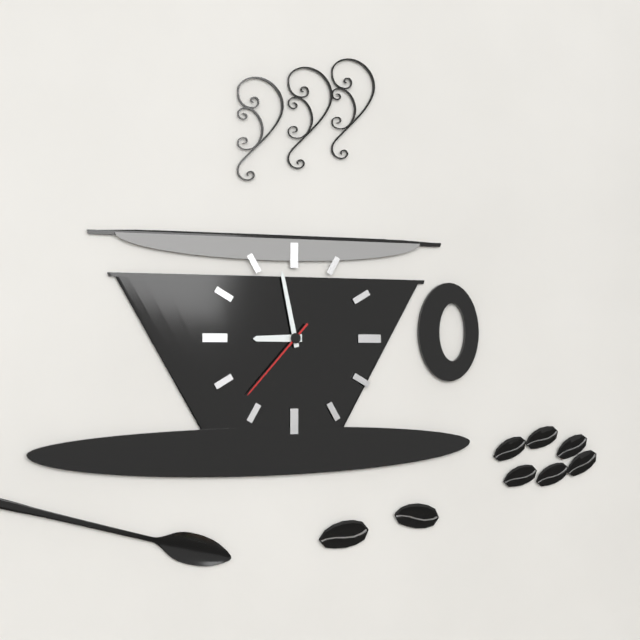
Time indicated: **8:58:37**
